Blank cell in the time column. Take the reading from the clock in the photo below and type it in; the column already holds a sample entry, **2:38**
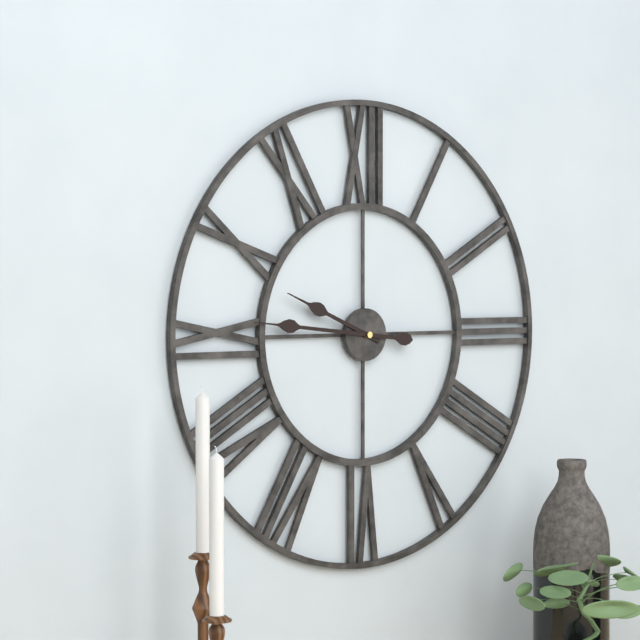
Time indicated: **9:46**
